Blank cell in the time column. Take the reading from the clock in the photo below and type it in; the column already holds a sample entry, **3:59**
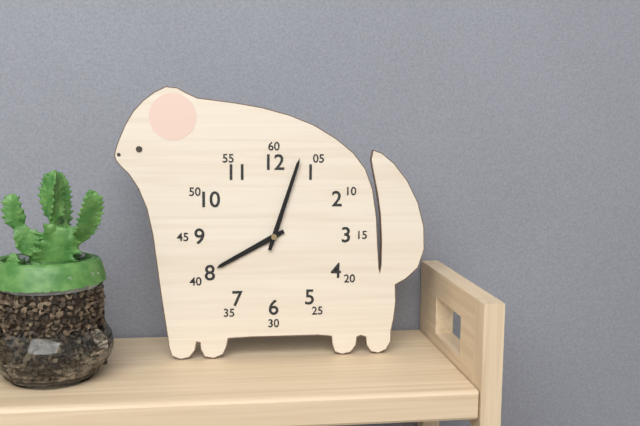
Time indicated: **8:03**
